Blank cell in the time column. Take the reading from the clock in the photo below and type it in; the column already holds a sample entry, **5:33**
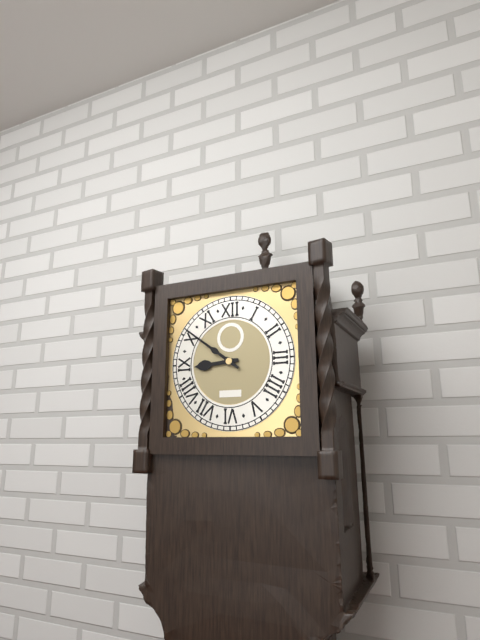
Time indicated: **8:51**
